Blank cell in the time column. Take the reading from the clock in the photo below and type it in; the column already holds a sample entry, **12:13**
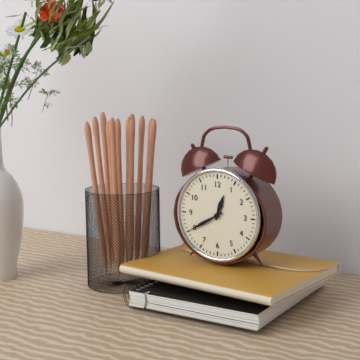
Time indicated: **12:40**
